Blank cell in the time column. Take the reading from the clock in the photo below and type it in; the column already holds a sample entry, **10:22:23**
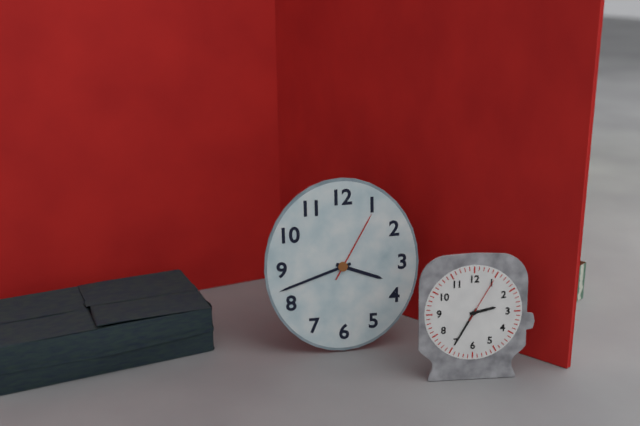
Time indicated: **3:42:05**
